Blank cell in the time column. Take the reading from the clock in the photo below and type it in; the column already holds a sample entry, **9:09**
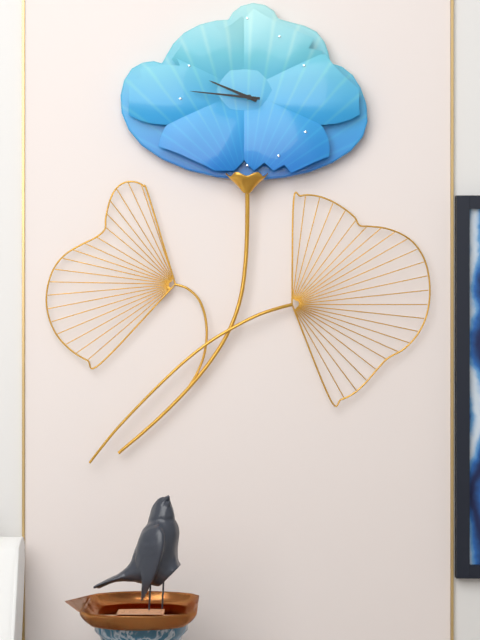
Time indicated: **9:46**
